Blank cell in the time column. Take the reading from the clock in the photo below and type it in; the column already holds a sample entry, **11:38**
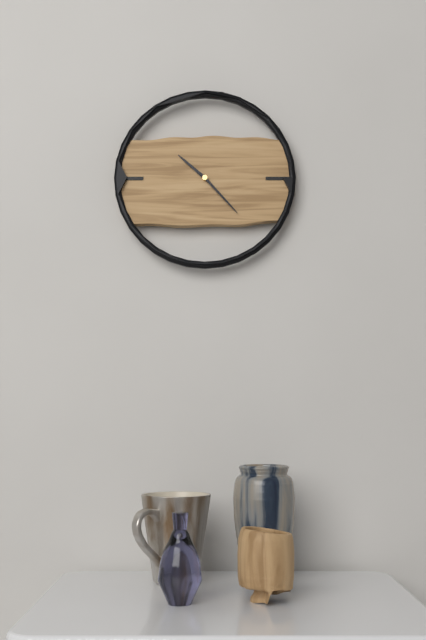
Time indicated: **10:23**
